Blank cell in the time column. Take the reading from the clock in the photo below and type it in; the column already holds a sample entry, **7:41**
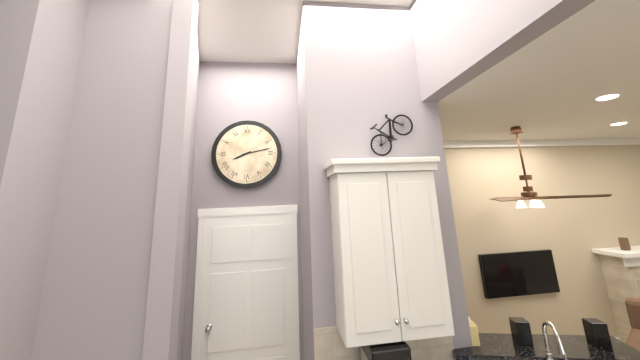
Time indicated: **8:13**
